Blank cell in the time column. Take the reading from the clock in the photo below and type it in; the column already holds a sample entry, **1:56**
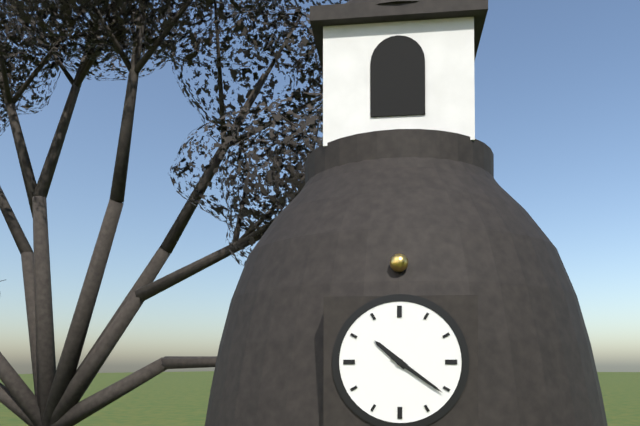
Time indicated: **10:21**
